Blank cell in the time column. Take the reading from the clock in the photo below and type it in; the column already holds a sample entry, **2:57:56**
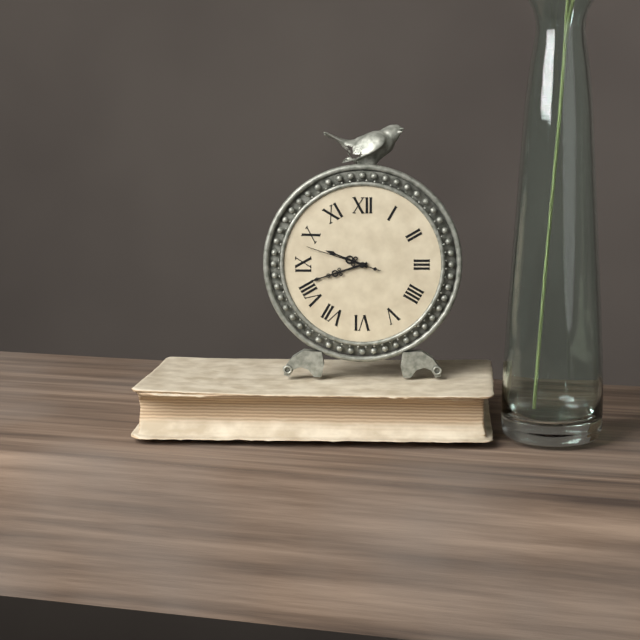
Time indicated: **9:42:48**
